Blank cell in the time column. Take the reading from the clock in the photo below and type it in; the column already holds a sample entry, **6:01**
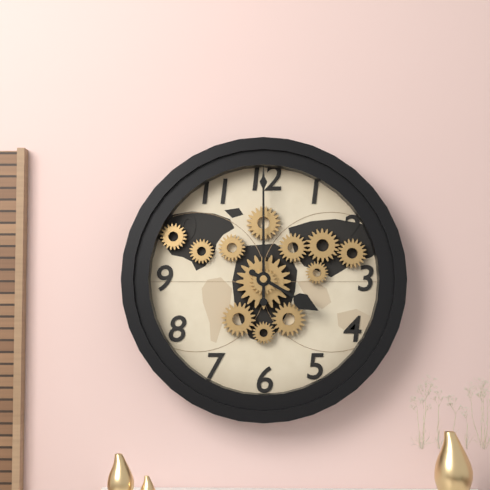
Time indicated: **4:00**
